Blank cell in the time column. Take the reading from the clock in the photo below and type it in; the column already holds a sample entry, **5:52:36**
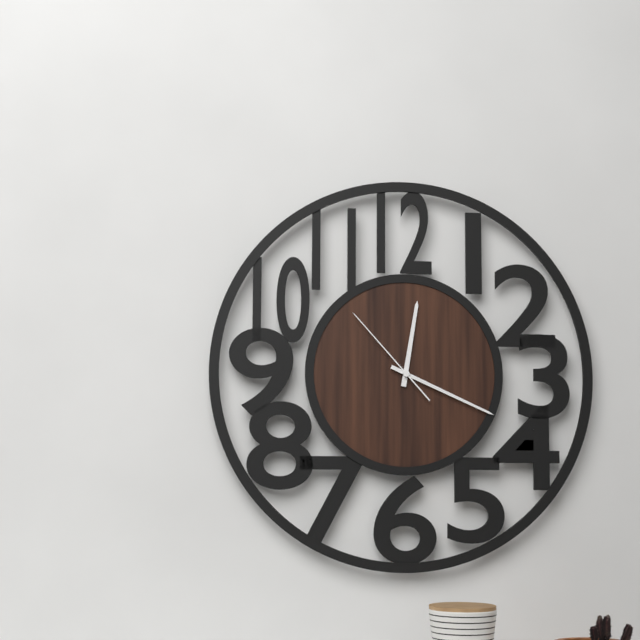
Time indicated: **12:19:53**
